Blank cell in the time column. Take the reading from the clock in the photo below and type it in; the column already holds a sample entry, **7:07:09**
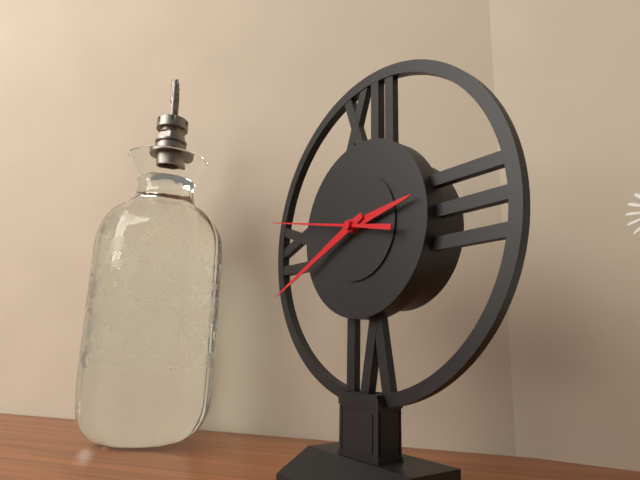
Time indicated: **2:41:47**
